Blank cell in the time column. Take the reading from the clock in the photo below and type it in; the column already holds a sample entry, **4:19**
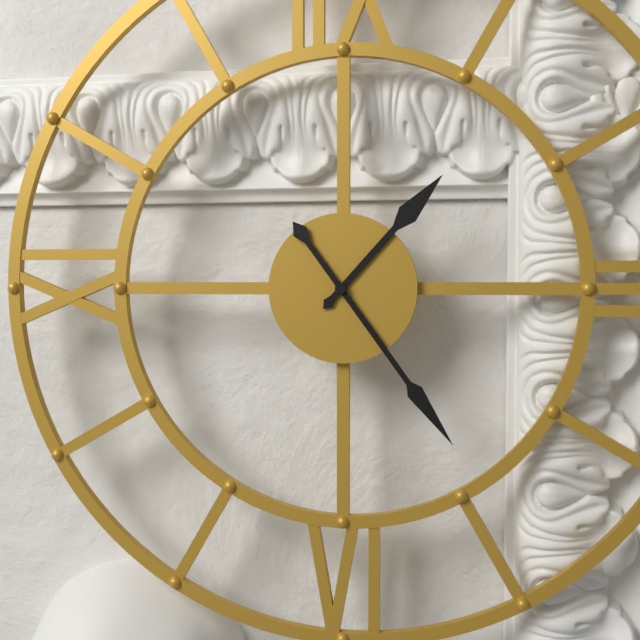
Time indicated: **1:24**
